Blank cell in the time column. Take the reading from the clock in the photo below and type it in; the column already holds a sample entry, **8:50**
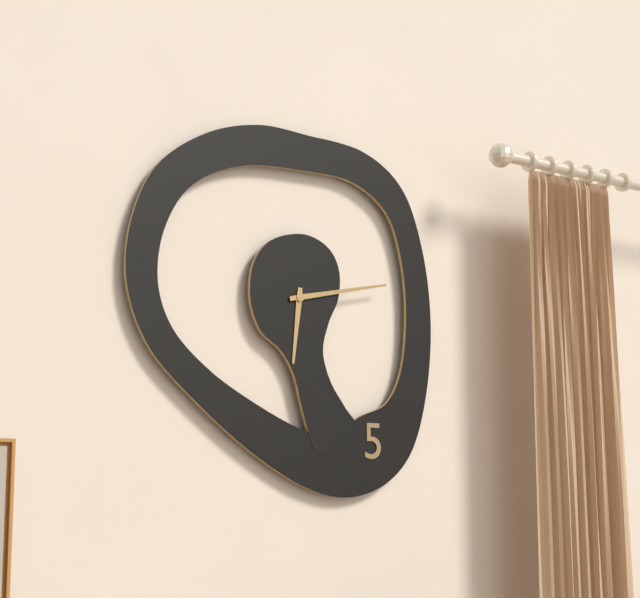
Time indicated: **6:13**
